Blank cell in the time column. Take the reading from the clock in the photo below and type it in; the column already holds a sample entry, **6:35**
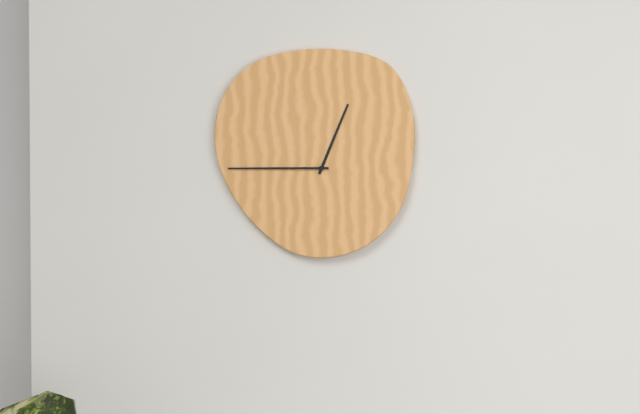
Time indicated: **12:45**
